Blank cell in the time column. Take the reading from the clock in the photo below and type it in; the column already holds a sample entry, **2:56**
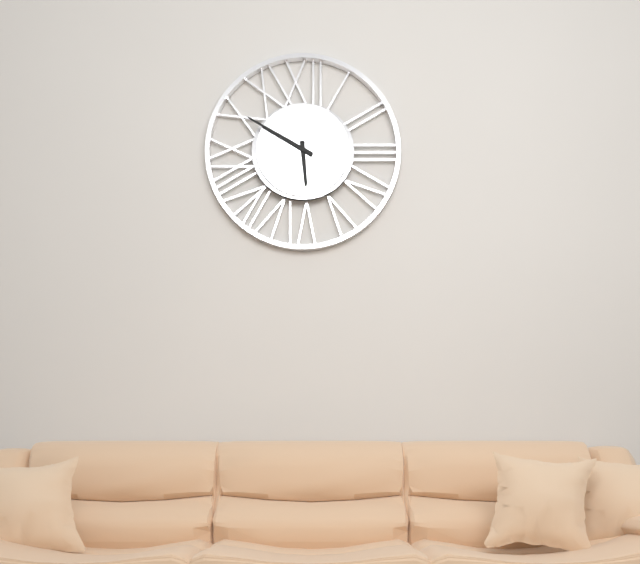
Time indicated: **5:50**
